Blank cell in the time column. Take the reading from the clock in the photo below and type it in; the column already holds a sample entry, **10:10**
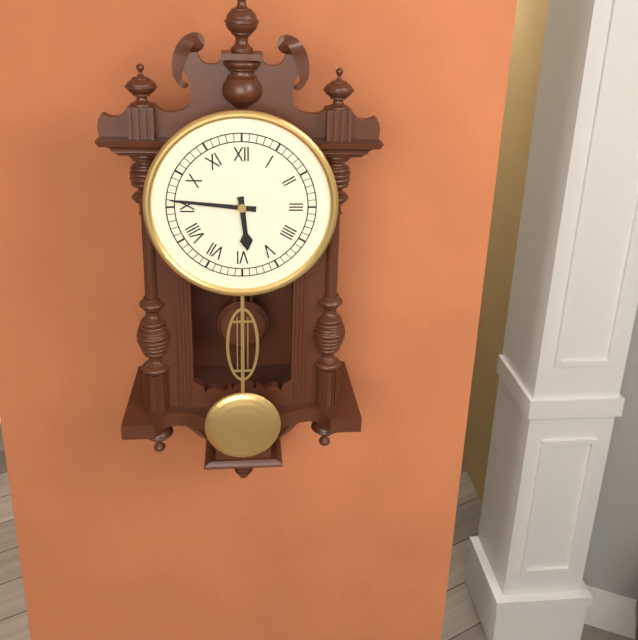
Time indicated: **5:46**
